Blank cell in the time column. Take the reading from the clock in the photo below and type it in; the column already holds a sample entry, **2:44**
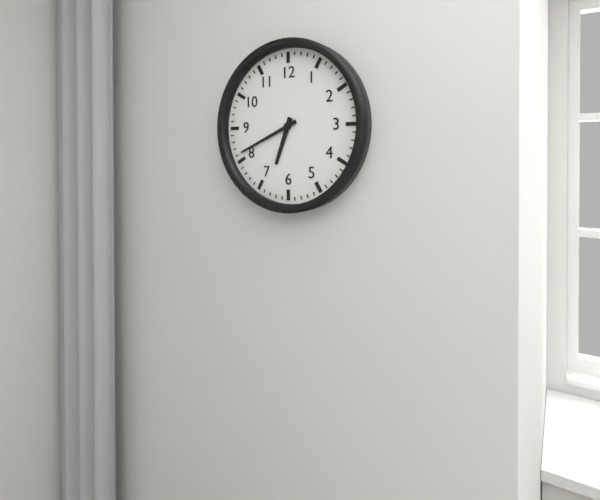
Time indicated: **6:41**
